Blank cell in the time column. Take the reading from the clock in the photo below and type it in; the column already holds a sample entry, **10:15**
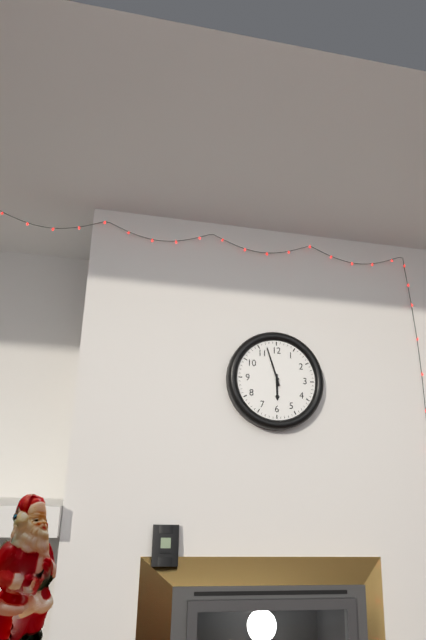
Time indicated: **5:57**
